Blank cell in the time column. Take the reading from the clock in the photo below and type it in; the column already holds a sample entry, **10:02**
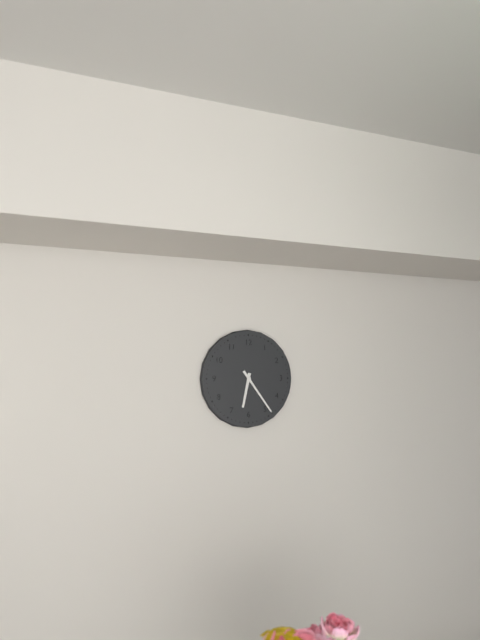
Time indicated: **6:24**
